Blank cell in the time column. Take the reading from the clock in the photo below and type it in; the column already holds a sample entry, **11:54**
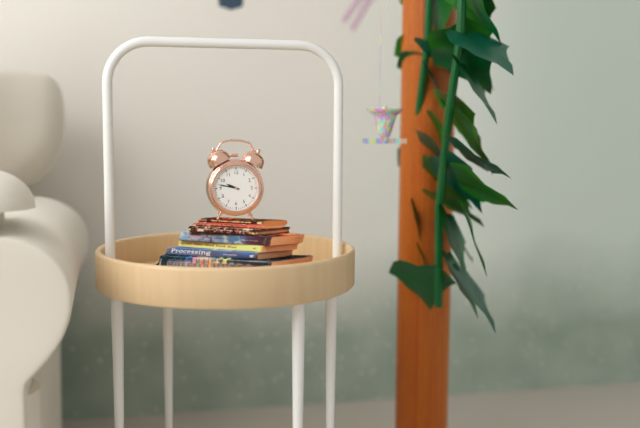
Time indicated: **9:47**
